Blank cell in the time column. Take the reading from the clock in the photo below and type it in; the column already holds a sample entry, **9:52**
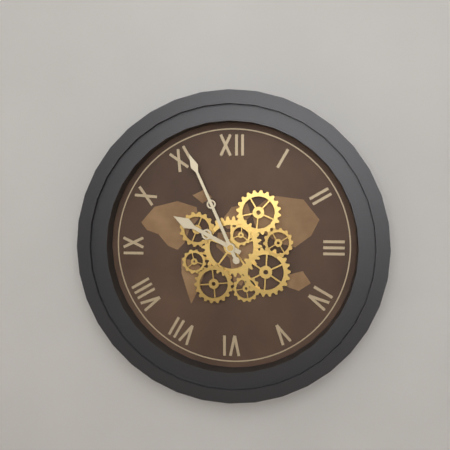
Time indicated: **9:56**
